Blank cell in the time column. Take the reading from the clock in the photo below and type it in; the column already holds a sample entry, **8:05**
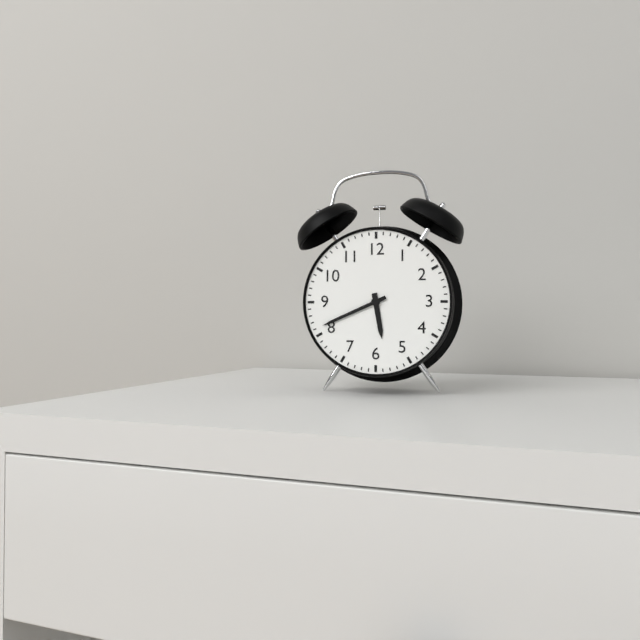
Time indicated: **5:41**
